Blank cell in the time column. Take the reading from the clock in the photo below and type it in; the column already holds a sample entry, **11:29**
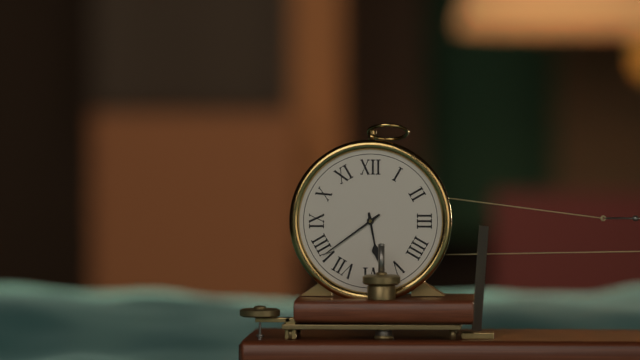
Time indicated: **5:39**
